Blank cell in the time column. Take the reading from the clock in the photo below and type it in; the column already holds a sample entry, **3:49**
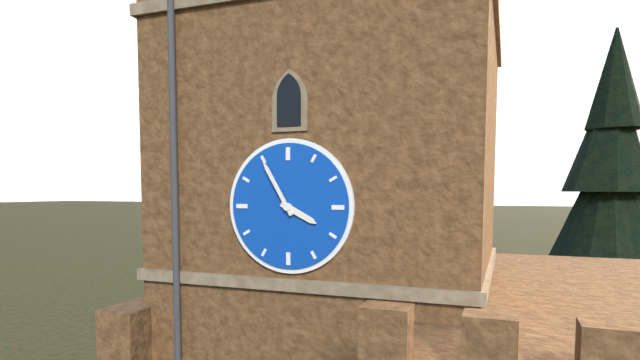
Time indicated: **3:55**
